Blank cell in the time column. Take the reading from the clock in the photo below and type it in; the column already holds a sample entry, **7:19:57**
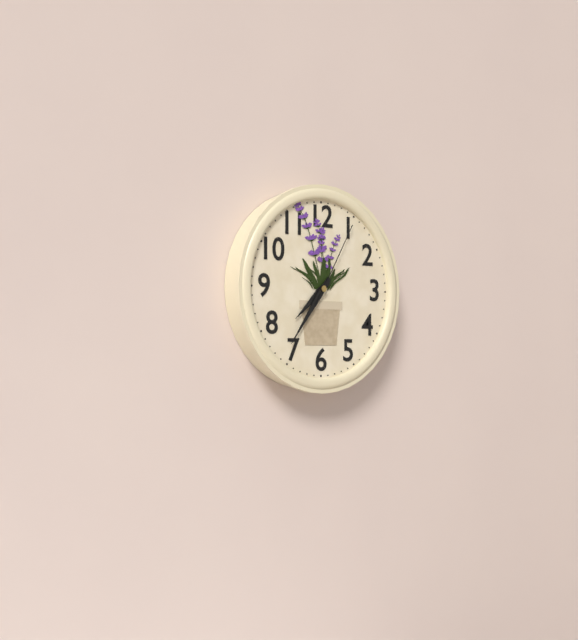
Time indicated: **7:36:05**
